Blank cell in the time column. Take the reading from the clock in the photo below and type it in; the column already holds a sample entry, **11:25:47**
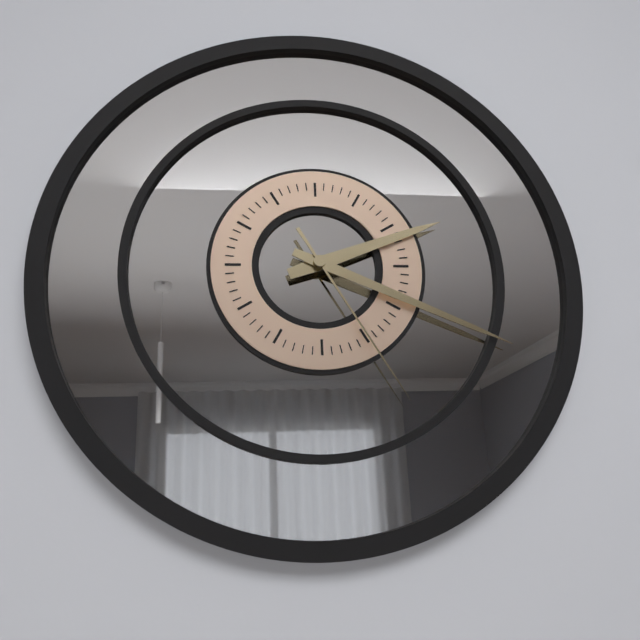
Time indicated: **2:19:25**
